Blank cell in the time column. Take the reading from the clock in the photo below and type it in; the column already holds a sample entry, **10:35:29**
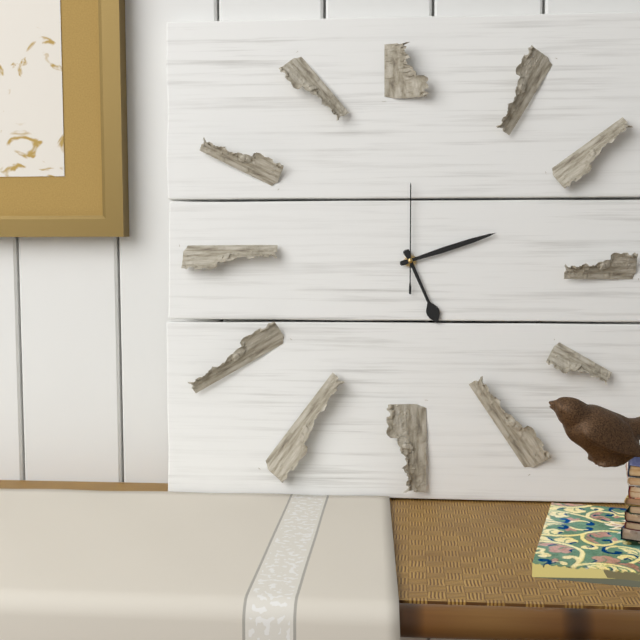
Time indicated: **5:12:00**
